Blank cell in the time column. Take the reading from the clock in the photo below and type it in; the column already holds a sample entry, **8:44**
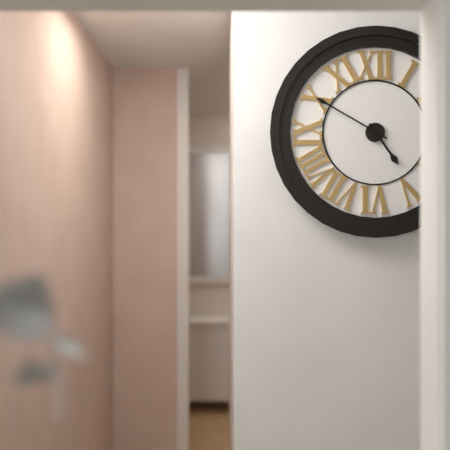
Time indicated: **4:50**
